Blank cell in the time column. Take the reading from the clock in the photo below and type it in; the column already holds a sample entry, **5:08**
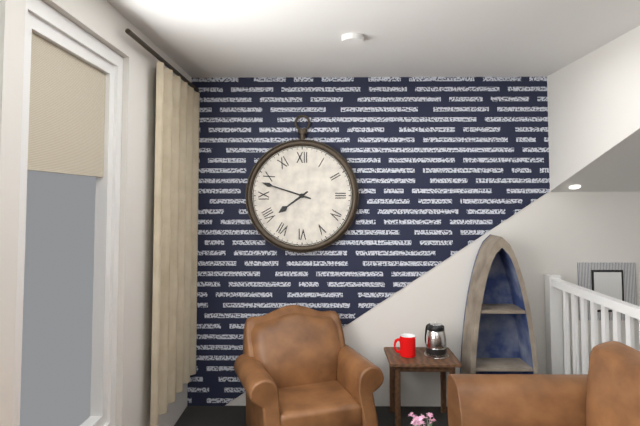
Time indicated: **7:48**
